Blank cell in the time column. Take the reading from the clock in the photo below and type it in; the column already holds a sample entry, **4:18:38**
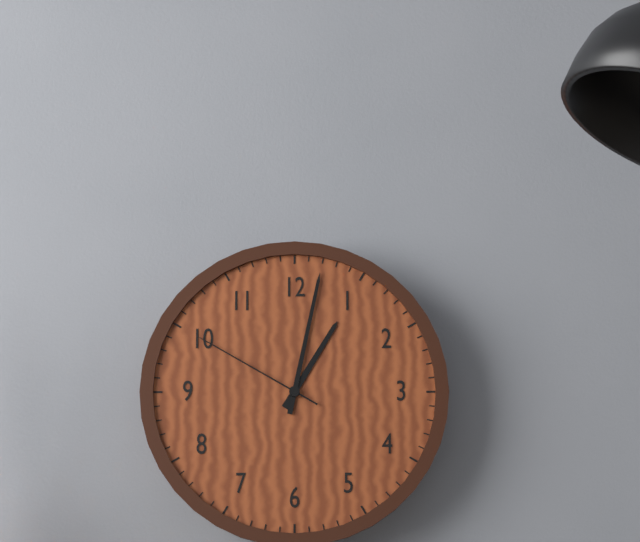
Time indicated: **1:02:50**
